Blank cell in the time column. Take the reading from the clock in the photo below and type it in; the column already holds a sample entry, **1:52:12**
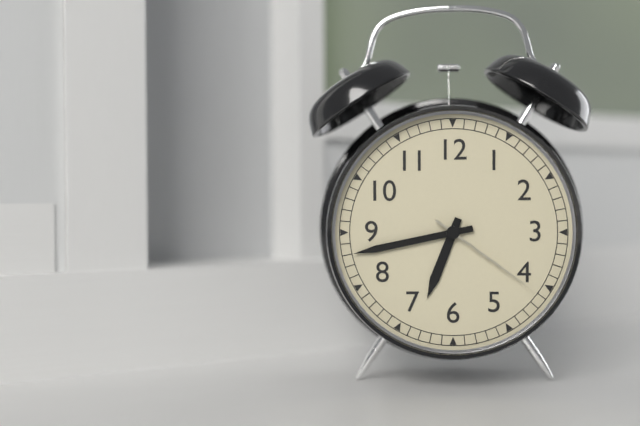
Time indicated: **6:43:21**
